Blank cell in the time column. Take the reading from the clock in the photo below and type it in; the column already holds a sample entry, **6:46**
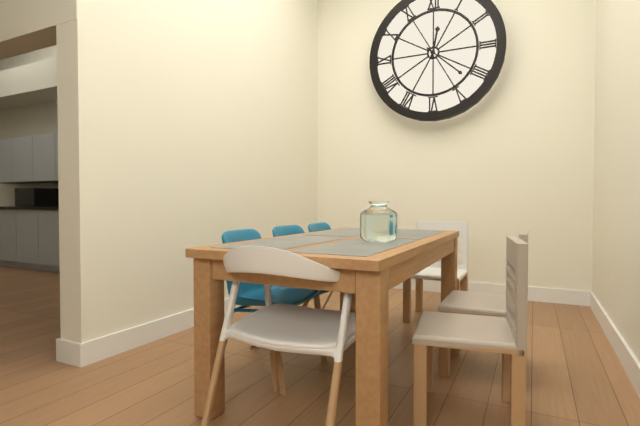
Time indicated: **12:22**
